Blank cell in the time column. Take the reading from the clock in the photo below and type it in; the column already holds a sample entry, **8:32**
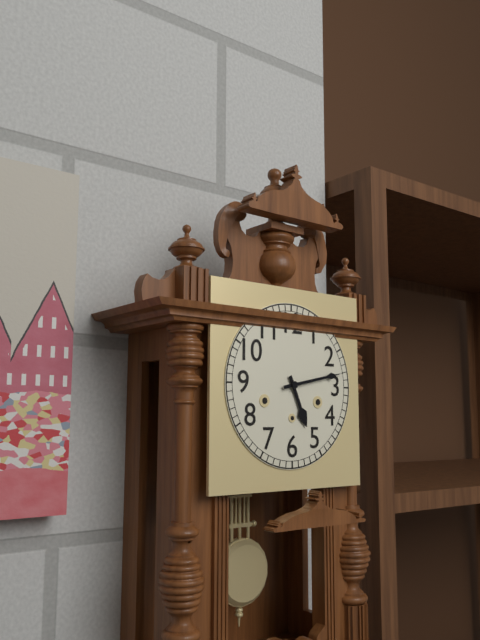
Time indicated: **5:13**
